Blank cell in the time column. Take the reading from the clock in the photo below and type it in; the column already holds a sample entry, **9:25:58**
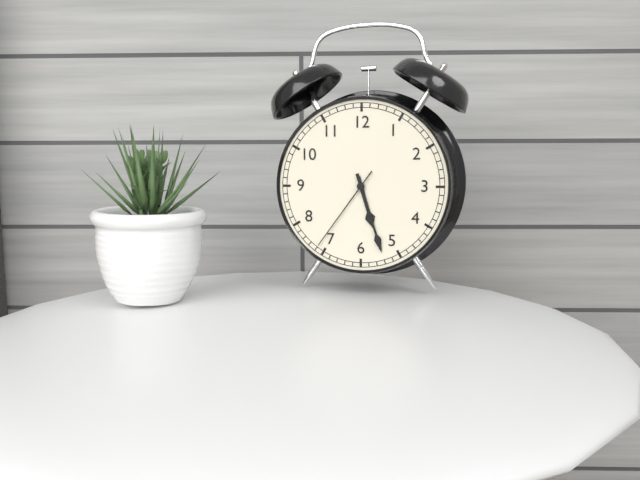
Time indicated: **5:27:36**
